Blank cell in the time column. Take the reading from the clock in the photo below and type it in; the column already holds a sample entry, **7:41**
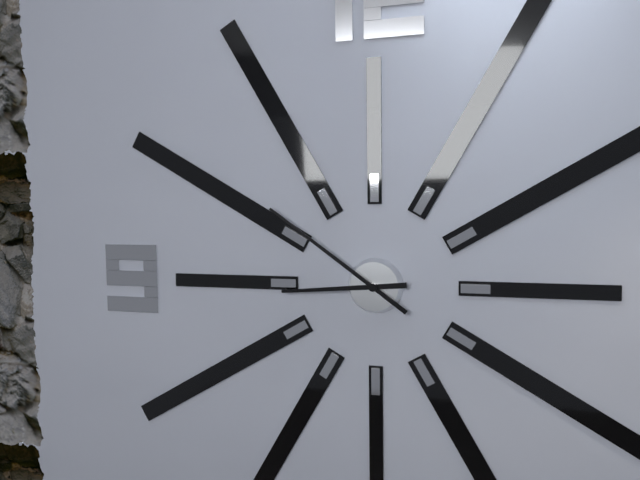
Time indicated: **8:51**
